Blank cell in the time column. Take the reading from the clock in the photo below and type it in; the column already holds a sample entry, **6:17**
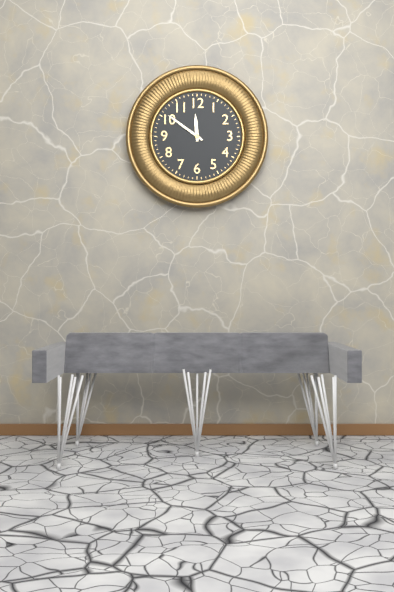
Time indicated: **11:51**
